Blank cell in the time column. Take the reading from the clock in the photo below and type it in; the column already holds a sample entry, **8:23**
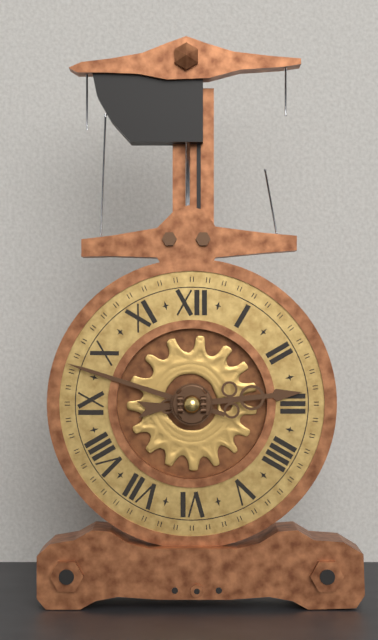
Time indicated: **2:48**
